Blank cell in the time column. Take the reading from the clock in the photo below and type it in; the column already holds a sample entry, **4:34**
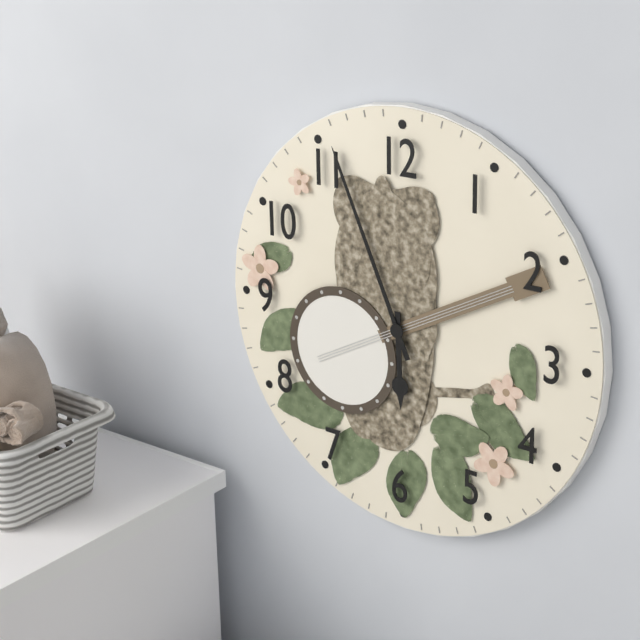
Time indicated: **5:56**
